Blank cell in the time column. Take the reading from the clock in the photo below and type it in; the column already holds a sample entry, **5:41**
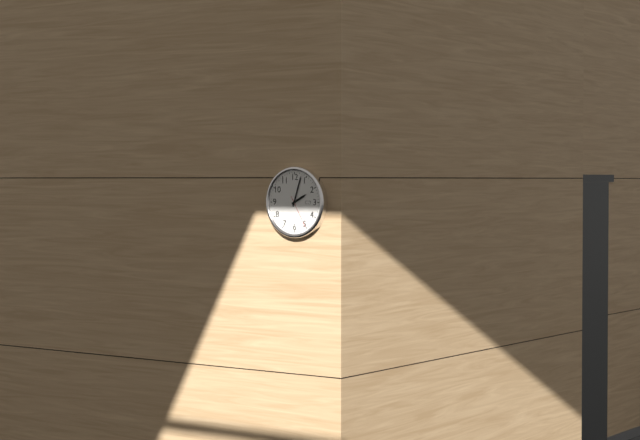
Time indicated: **2:03**
